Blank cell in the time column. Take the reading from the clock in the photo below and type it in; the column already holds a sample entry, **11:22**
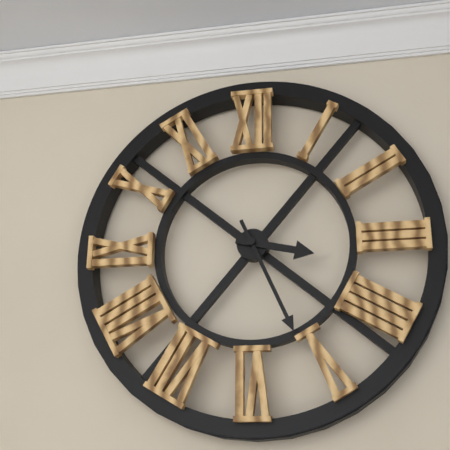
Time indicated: **3:26**
